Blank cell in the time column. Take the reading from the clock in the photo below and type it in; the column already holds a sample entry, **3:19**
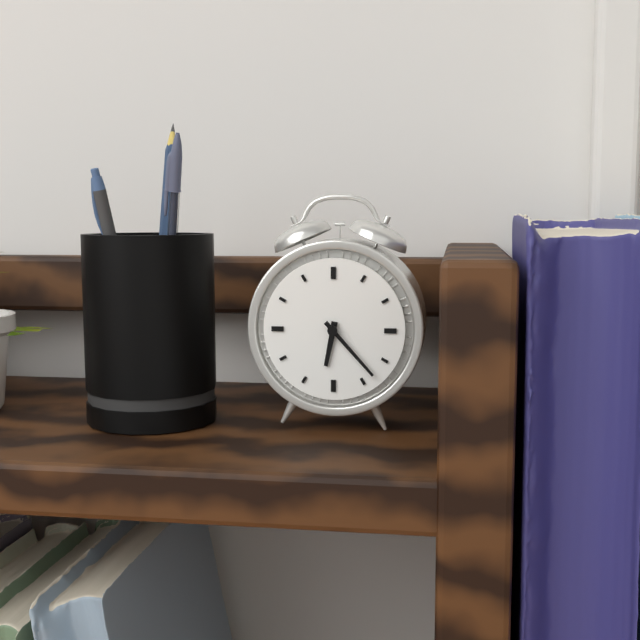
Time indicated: **6:23**
